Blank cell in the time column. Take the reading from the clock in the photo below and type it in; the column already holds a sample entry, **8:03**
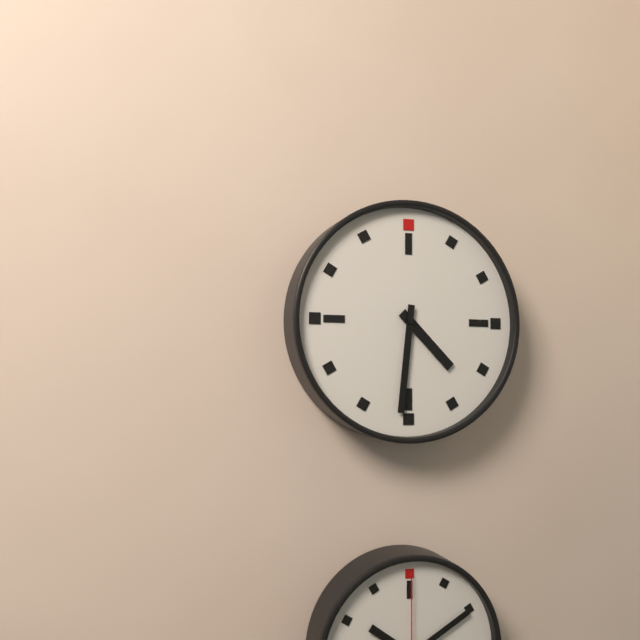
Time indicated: **4:31**
